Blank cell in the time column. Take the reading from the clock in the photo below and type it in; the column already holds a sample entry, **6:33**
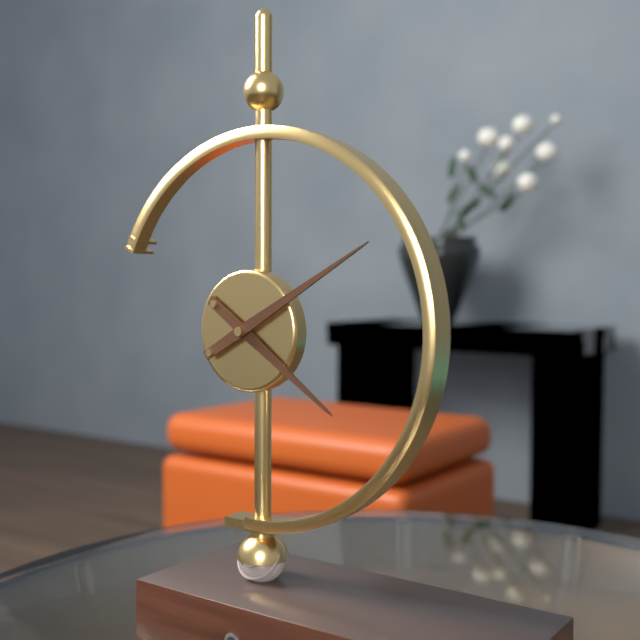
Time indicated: **4:10**
